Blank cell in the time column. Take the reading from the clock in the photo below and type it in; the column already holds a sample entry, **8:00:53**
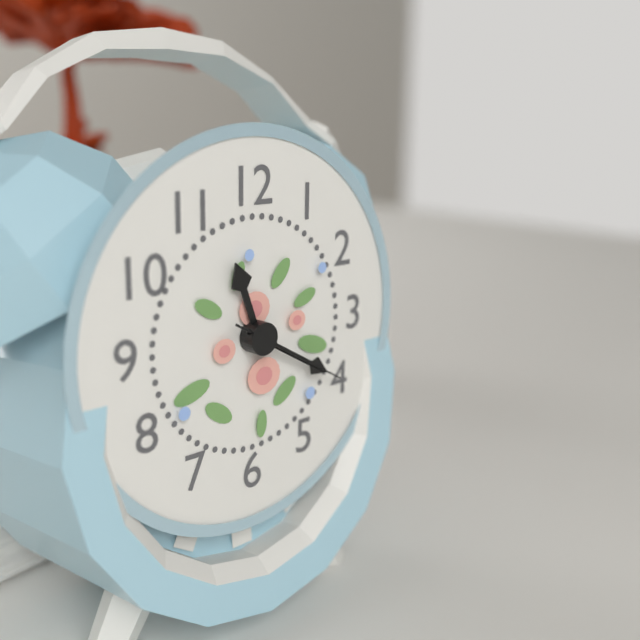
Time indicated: **11:20:20**
